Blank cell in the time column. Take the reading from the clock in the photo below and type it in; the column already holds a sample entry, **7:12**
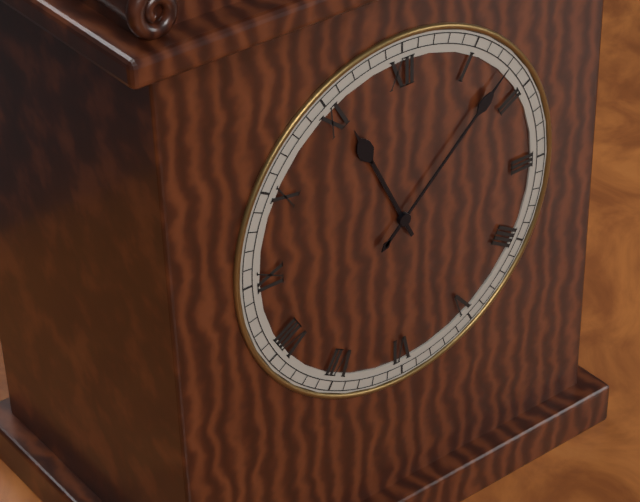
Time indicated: **11:08**
